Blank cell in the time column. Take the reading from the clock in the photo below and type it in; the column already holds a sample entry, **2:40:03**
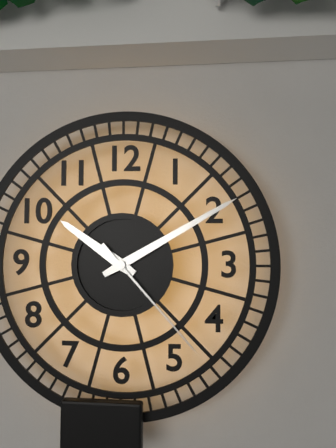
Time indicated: **10:10:23**
